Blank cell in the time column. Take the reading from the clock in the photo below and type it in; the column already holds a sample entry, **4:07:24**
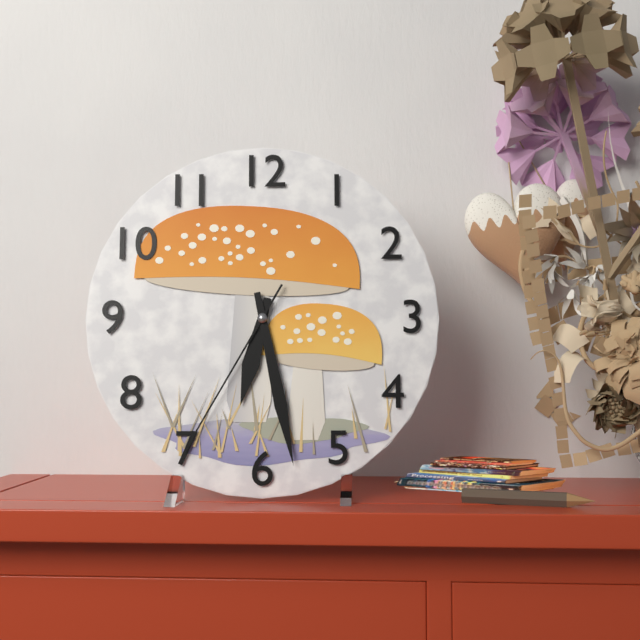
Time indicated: **6:28:35**
